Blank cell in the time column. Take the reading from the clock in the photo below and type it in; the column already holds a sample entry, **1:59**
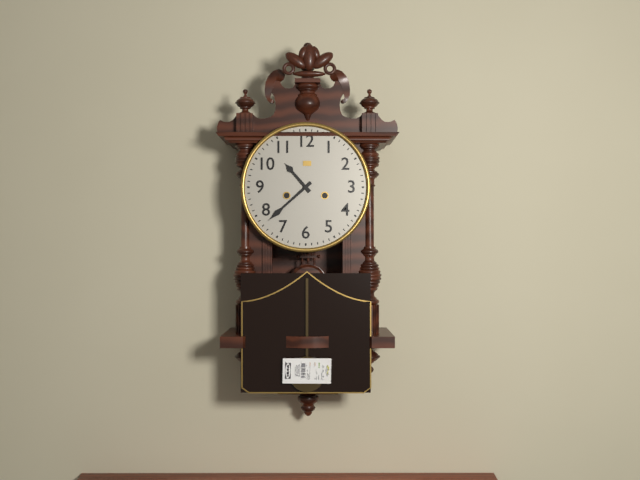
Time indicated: **10:38**
